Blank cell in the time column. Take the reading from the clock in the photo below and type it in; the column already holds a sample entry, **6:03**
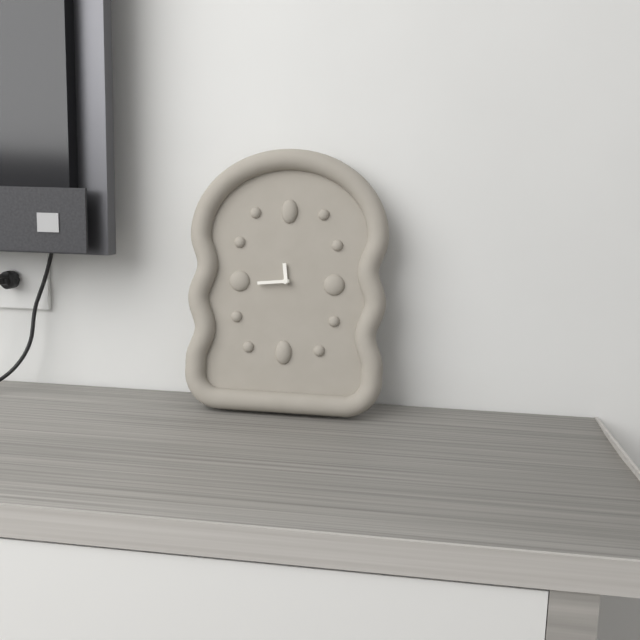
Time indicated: **11:44**
